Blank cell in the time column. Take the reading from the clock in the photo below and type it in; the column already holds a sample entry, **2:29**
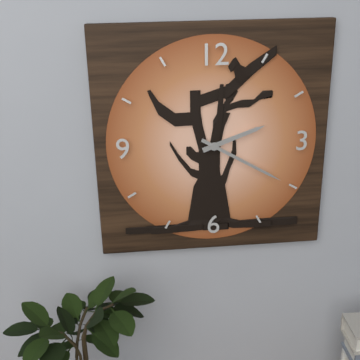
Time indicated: **2:20**
